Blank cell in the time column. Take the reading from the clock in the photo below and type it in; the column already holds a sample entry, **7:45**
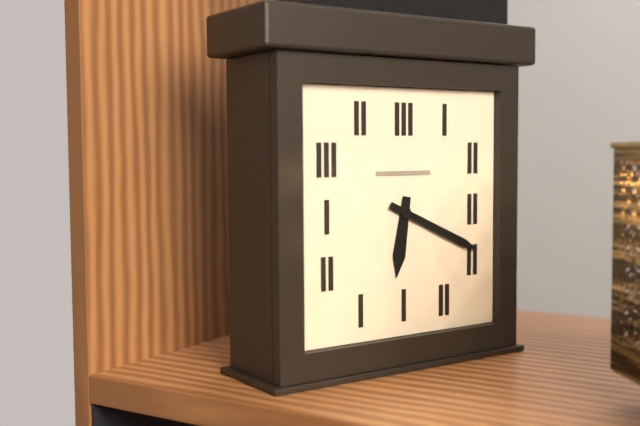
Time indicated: **6:19**
